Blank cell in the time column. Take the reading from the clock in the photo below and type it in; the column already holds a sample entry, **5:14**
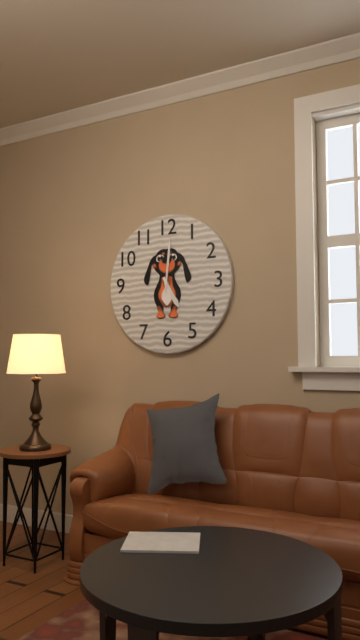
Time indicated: **5:01**
